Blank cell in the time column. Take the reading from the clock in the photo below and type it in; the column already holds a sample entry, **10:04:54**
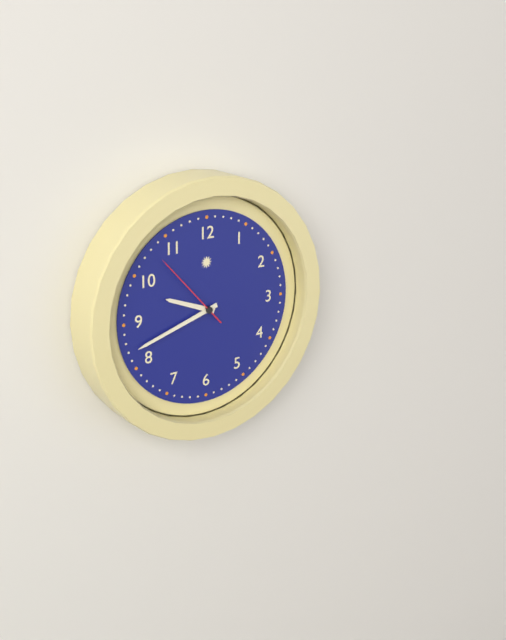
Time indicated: **9:42:53**
